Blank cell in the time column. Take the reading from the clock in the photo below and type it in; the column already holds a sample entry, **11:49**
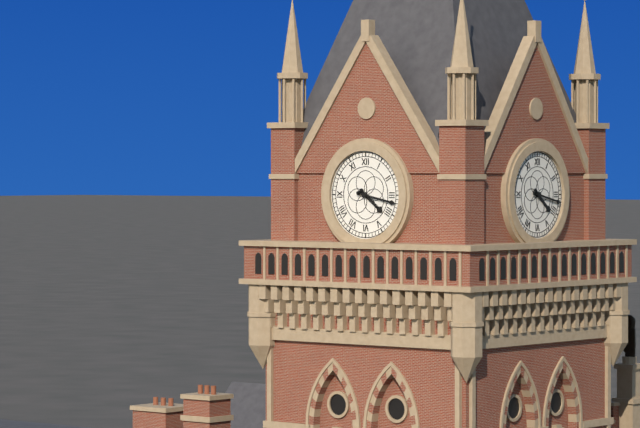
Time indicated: **4:17**
